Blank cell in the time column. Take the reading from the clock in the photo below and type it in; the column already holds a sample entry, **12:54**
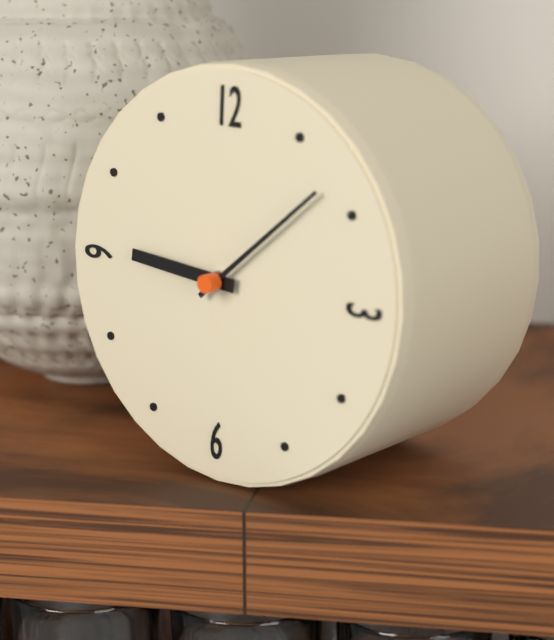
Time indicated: **9:08**
